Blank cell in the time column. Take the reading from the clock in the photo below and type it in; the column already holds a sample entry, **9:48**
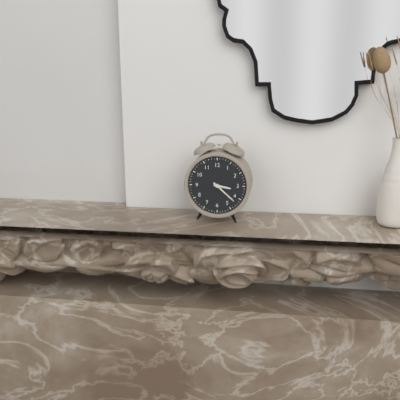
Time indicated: **3:22**
